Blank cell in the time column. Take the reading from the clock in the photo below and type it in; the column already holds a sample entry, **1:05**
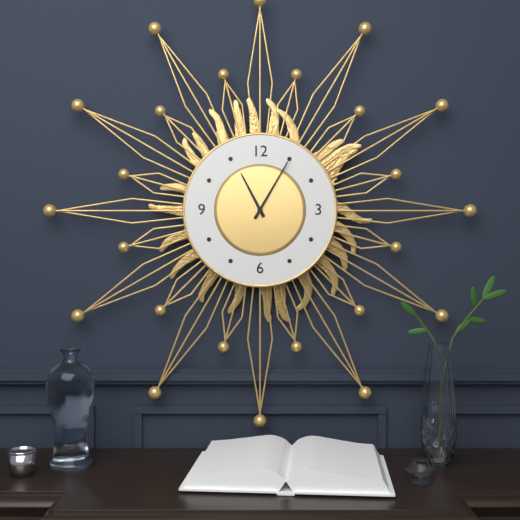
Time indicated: **11:05**
